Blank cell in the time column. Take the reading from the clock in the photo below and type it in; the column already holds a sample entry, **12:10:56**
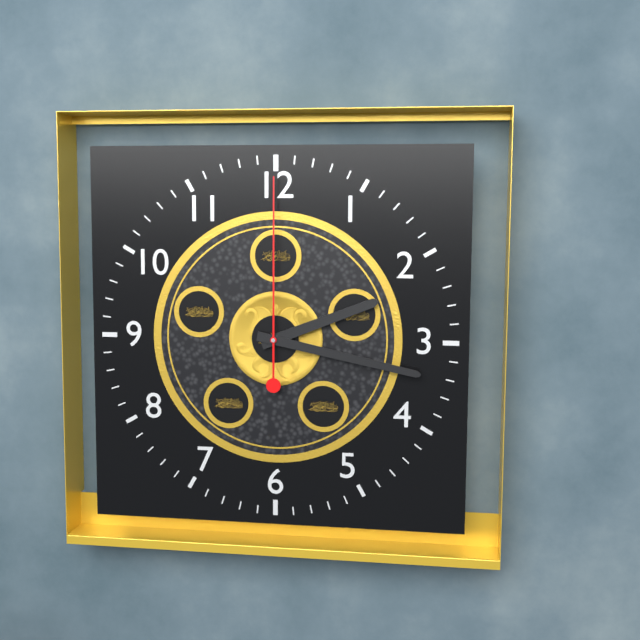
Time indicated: **2:17:00**
